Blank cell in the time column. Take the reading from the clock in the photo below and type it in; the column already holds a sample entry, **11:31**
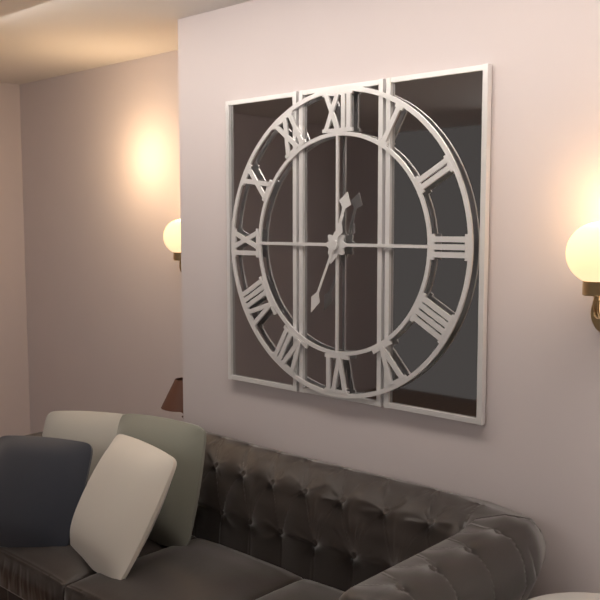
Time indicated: **12:34**
